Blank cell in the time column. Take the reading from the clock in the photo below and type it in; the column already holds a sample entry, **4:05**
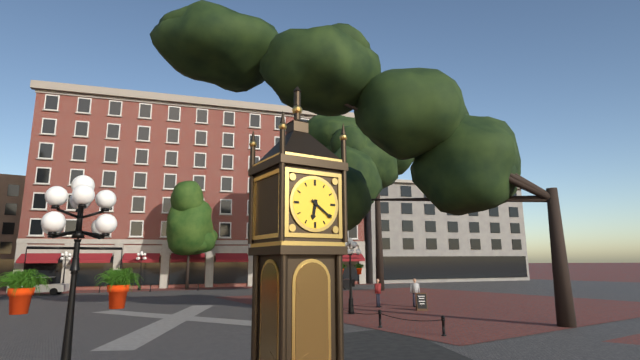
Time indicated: **6:21**
